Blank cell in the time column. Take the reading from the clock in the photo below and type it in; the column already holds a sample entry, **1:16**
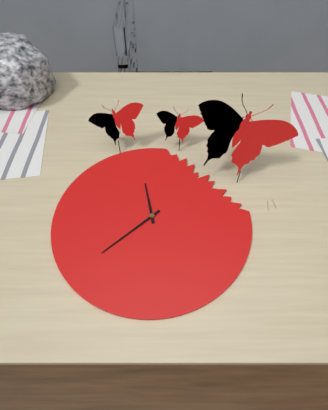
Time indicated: **11:38**
